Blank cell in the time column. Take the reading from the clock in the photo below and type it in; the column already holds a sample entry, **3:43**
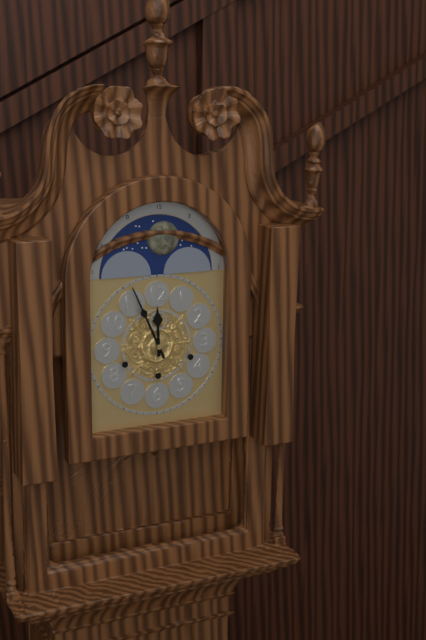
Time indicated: **11:56**
